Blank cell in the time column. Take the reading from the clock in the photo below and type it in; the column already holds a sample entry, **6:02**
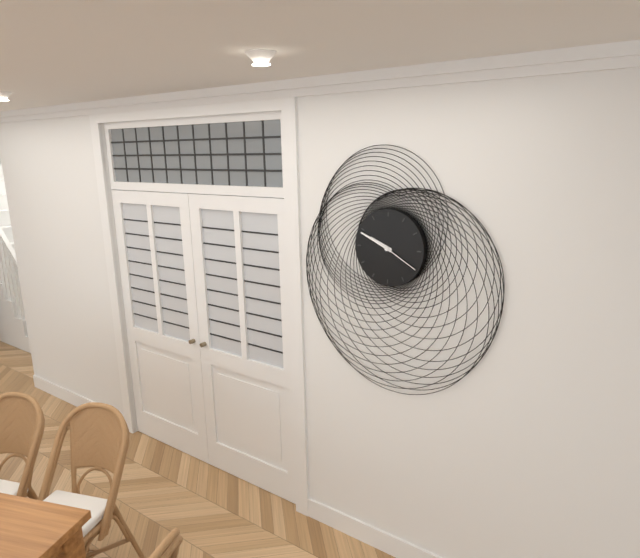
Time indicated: **9:49**
